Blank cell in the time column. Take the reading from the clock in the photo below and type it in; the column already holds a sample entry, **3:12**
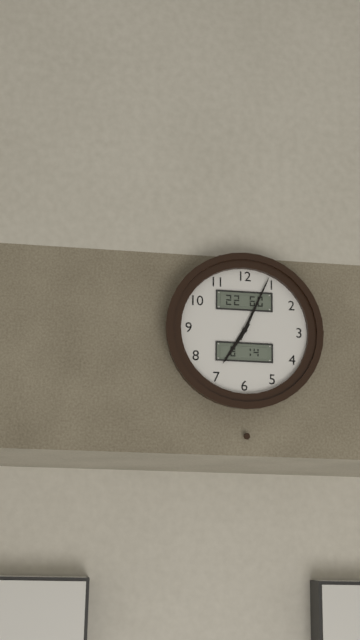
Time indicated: **7:04**
